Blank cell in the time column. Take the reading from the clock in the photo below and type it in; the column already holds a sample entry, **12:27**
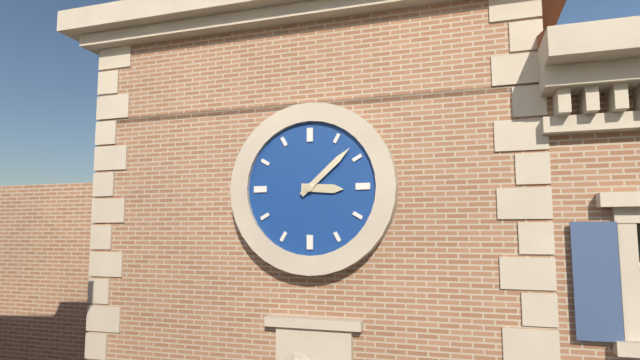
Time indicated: **3:08**
